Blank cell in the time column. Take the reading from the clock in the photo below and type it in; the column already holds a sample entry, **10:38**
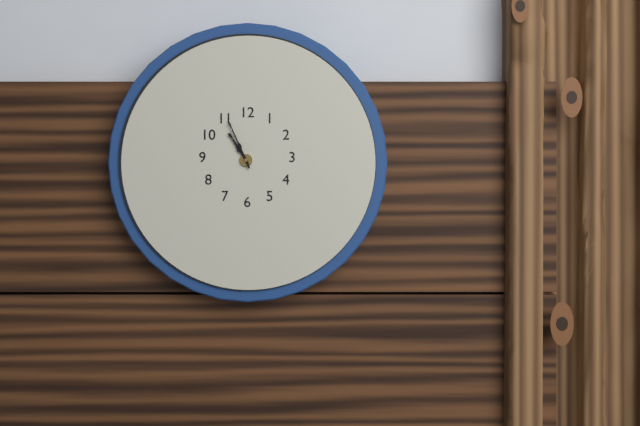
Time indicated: **10:56**
